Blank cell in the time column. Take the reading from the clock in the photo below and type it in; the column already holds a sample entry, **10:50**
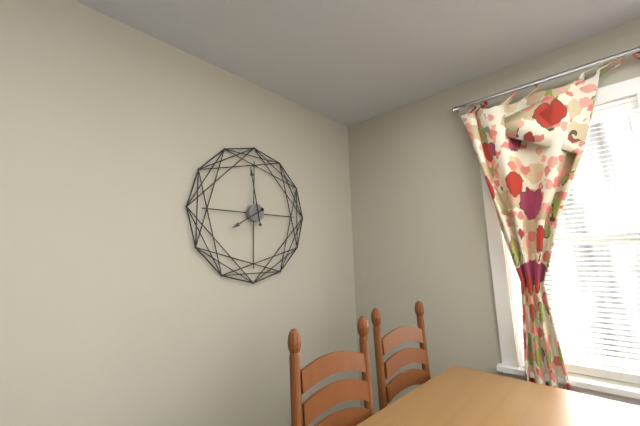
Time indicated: **7:58**
